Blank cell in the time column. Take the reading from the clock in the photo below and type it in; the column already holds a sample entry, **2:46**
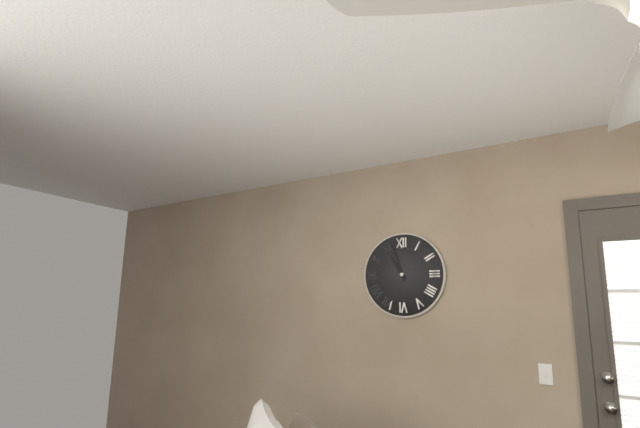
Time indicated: **10:57**
